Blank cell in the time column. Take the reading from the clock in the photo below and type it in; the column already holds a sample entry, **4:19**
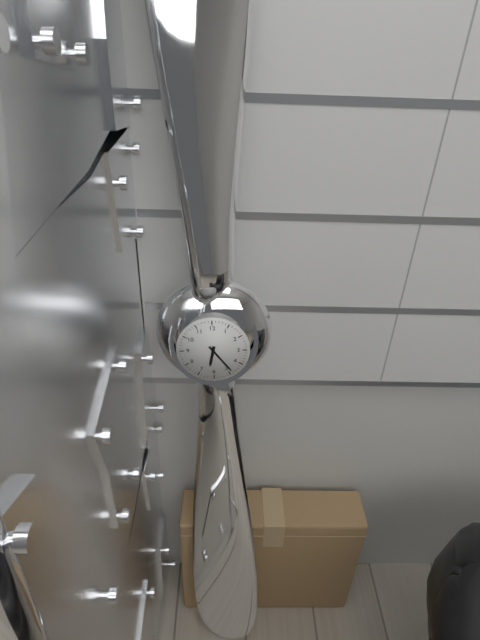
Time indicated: **6:24**
